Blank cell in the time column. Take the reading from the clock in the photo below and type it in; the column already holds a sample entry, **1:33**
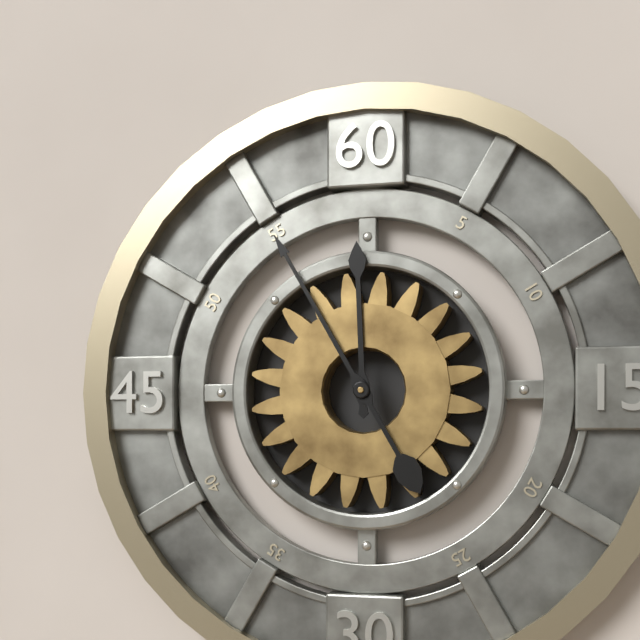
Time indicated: **11:55**
